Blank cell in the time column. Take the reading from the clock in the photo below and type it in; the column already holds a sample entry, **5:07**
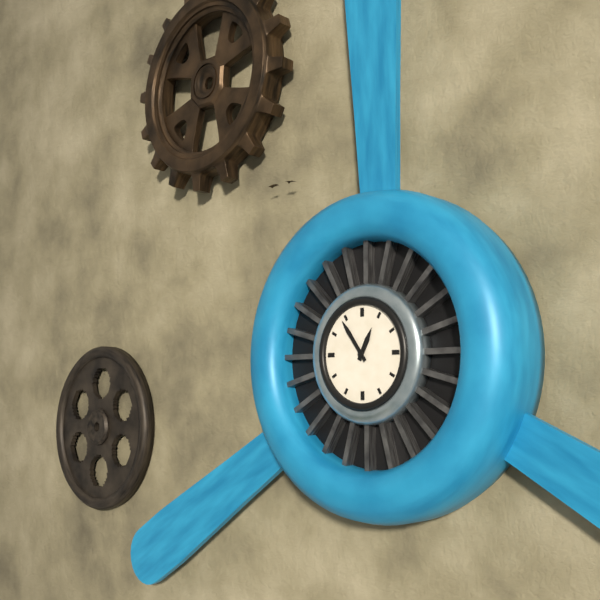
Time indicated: **12:54**
